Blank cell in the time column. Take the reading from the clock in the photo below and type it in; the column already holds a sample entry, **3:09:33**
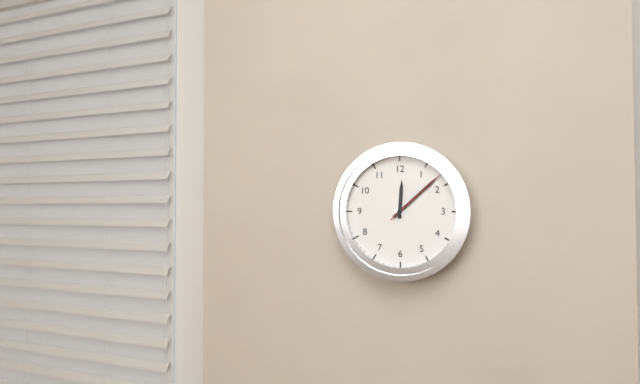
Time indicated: **12:08:08**
